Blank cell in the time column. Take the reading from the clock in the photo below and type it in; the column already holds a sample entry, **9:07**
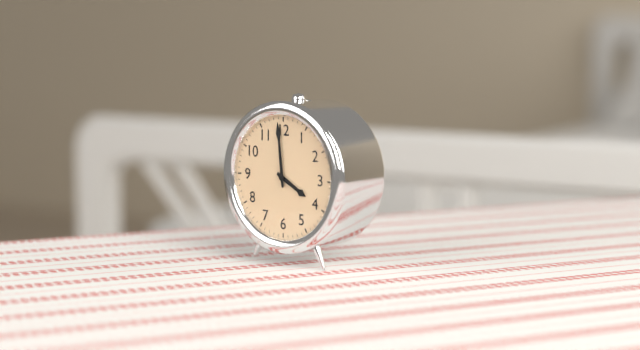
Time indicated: **3:59**
